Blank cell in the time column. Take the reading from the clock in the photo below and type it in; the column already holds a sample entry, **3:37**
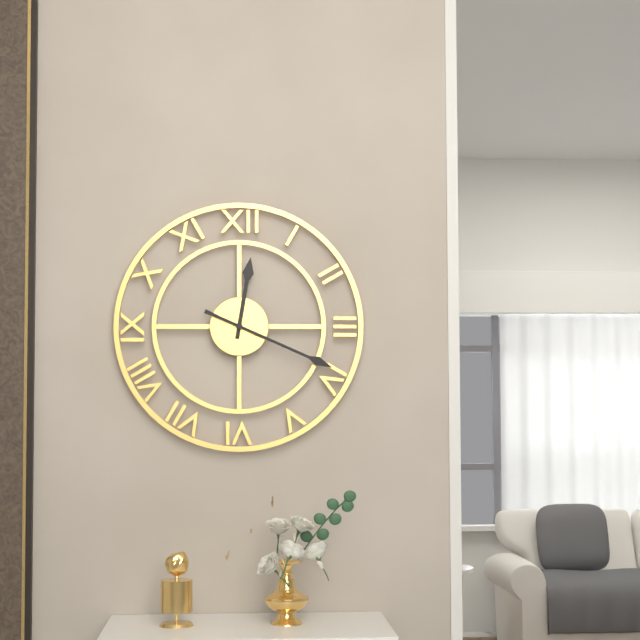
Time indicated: **12:19**
